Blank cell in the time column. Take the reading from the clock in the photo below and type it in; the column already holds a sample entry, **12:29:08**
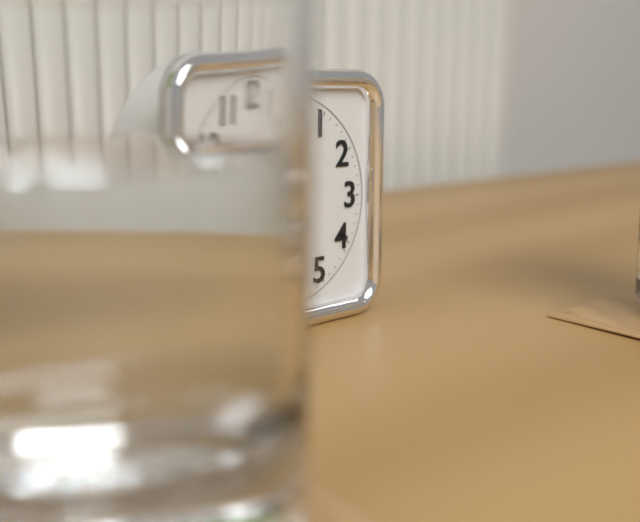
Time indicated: **6:41:03**
